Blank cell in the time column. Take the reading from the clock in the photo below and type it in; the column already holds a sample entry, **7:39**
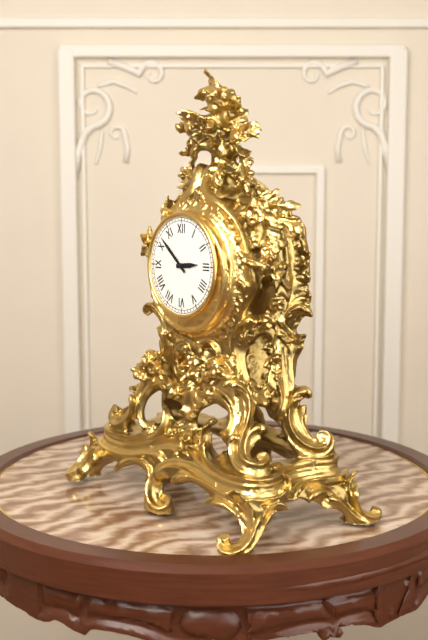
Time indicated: **2:52**
